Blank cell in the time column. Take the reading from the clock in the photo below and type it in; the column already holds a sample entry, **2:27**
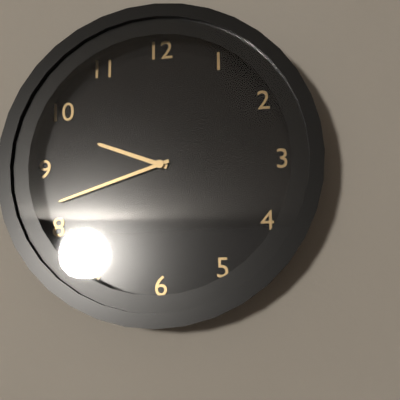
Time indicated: **9:42**
